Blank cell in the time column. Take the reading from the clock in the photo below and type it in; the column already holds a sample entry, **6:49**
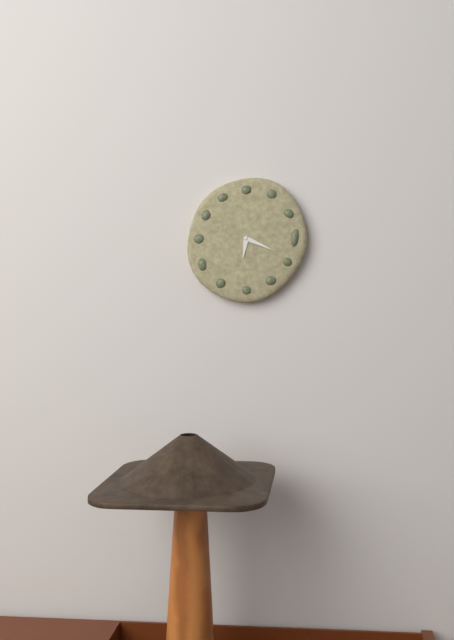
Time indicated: **6:19**
